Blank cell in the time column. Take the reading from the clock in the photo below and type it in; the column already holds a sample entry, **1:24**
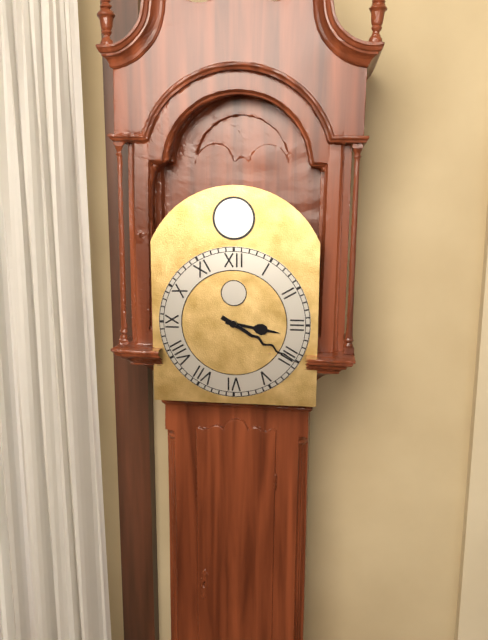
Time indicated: **3:20**
